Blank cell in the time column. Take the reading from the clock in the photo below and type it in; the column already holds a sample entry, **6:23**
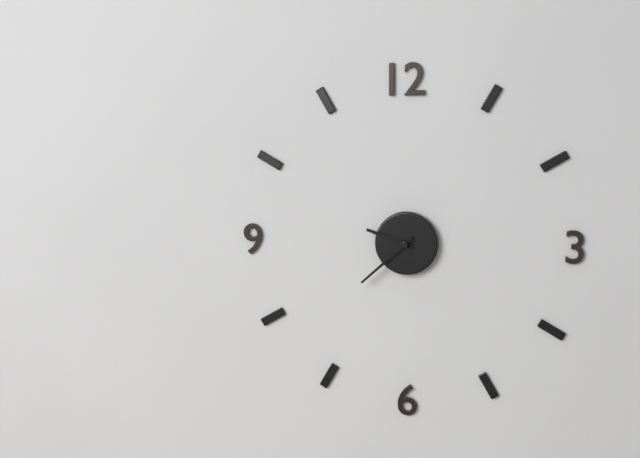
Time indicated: **9:38**
